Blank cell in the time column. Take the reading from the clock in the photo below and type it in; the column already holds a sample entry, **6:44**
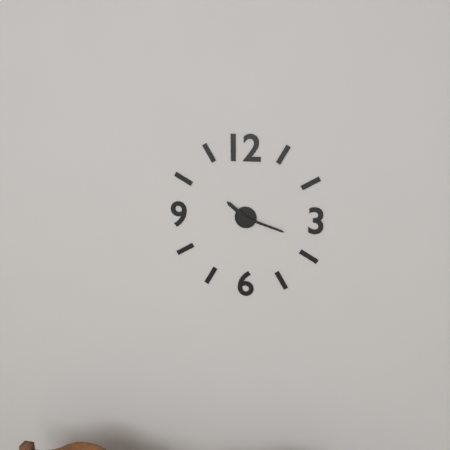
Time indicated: **10:18**
